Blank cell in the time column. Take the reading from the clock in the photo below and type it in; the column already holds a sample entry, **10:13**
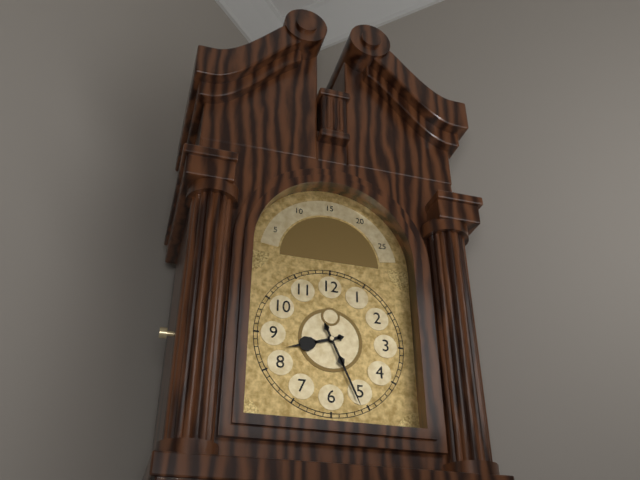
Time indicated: **8:26**
